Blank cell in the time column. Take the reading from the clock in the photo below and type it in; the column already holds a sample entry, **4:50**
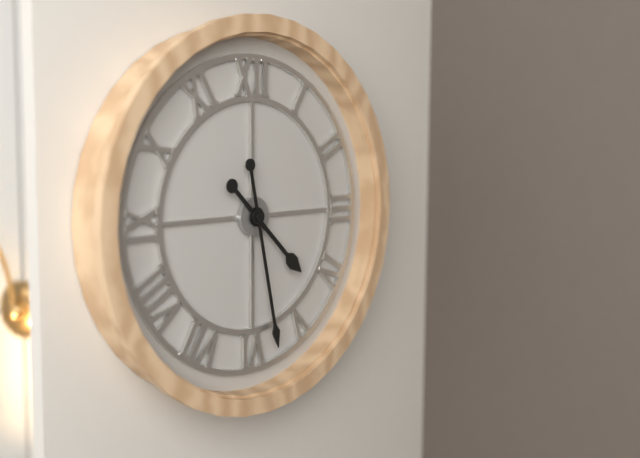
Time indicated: **4:28**
